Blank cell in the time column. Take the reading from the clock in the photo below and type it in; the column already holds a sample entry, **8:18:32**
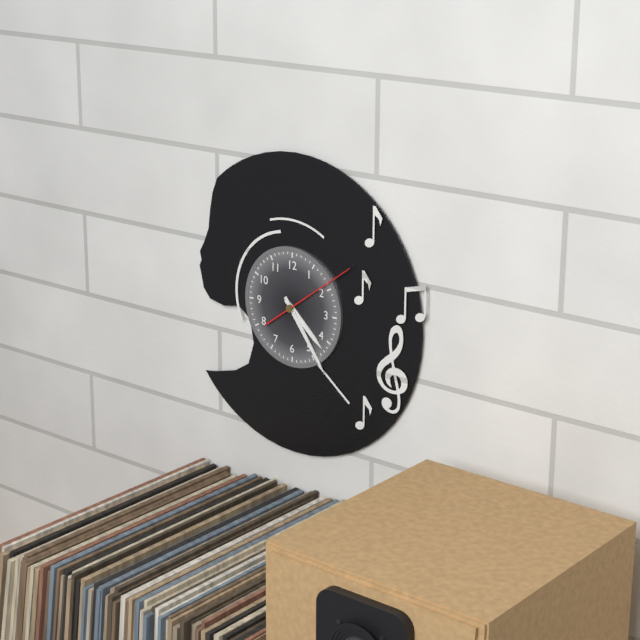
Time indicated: **4:24:09**
